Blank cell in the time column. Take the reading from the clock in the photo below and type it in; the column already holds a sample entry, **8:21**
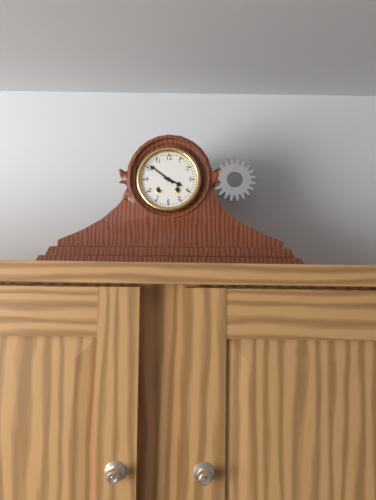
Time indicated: **3:51**
